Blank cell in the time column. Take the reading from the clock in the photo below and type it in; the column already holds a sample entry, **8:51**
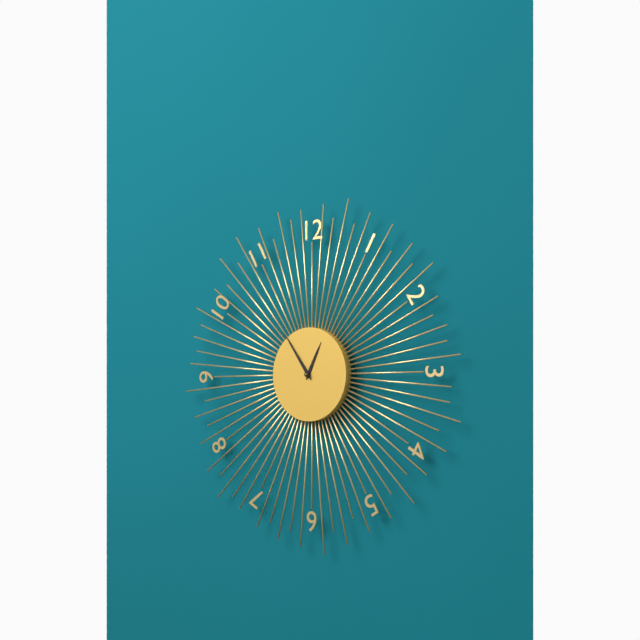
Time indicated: **12:54**
